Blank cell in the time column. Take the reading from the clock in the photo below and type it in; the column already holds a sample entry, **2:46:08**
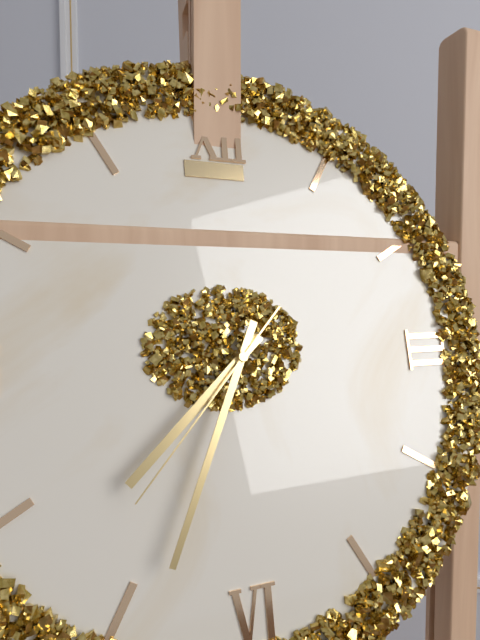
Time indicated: **7:34:37**
